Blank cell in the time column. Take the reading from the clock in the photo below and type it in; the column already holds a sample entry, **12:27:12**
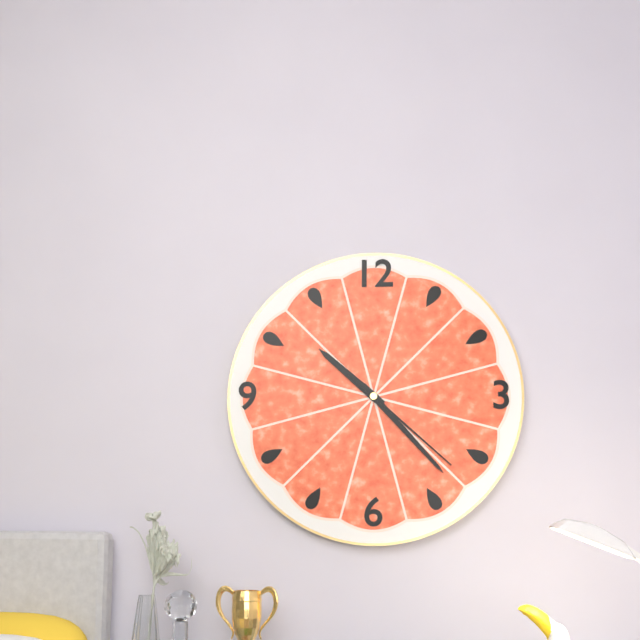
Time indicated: **10:23:22**
